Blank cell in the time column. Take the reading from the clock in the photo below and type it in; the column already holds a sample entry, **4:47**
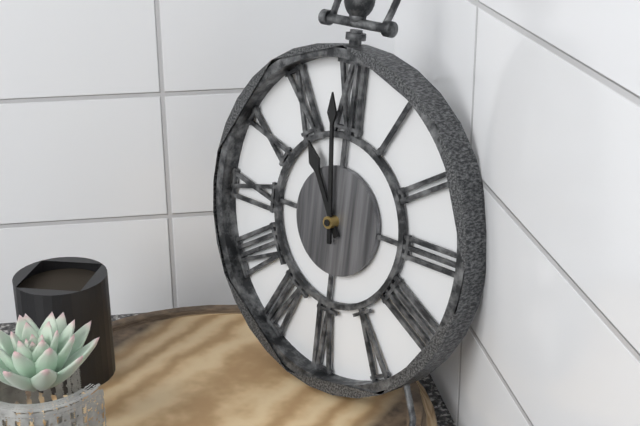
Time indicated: **10:59**
